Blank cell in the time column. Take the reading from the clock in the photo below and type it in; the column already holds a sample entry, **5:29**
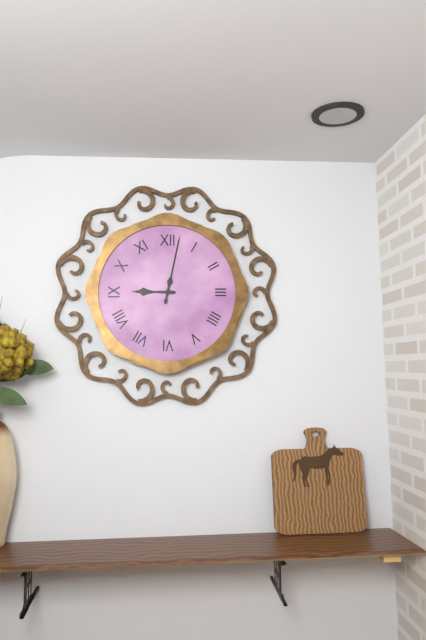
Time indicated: **9:02**
